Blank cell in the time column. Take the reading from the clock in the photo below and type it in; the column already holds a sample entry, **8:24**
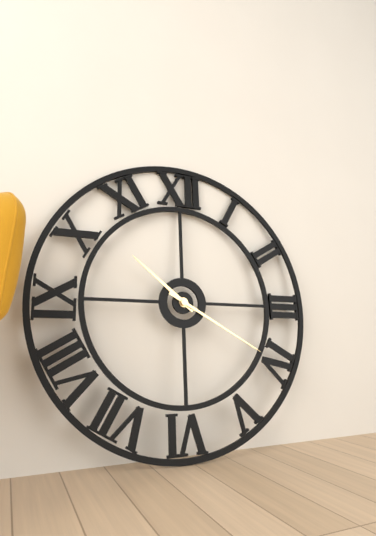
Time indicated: **10:20**
